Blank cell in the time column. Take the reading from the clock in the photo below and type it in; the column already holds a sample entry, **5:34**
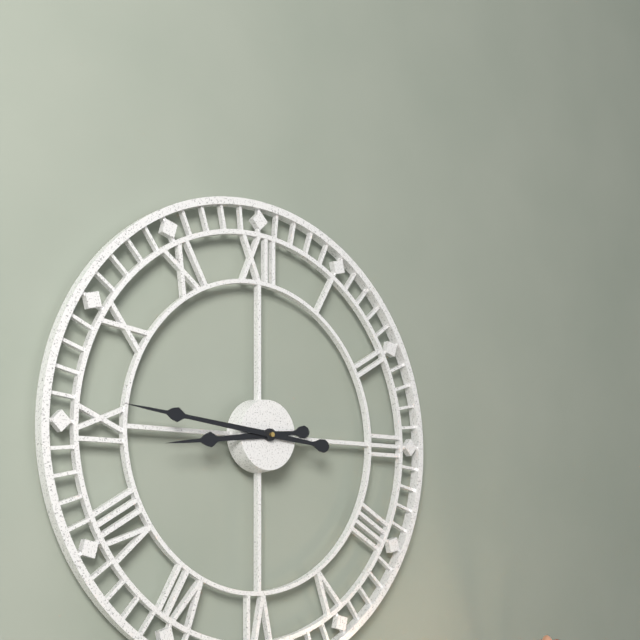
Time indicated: **8:46**
